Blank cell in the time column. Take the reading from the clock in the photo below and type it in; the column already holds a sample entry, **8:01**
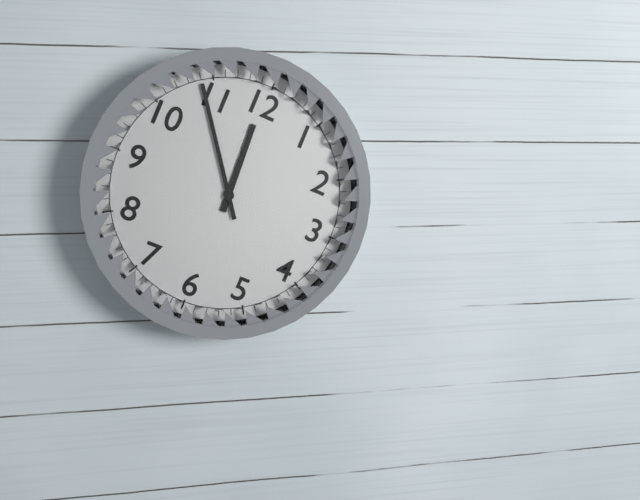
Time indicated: **11:54**
